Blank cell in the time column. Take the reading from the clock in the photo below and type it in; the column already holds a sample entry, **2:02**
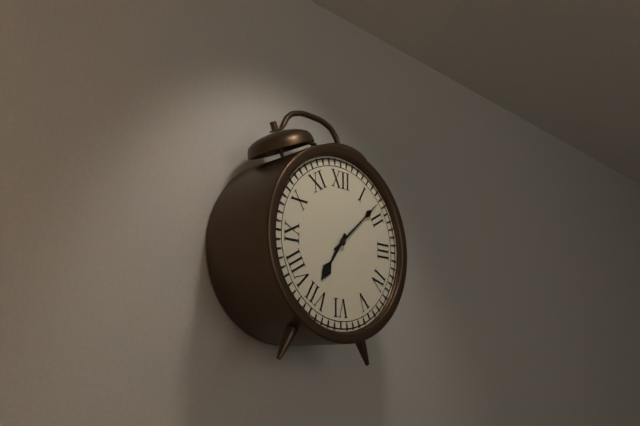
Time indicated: **7:08**
